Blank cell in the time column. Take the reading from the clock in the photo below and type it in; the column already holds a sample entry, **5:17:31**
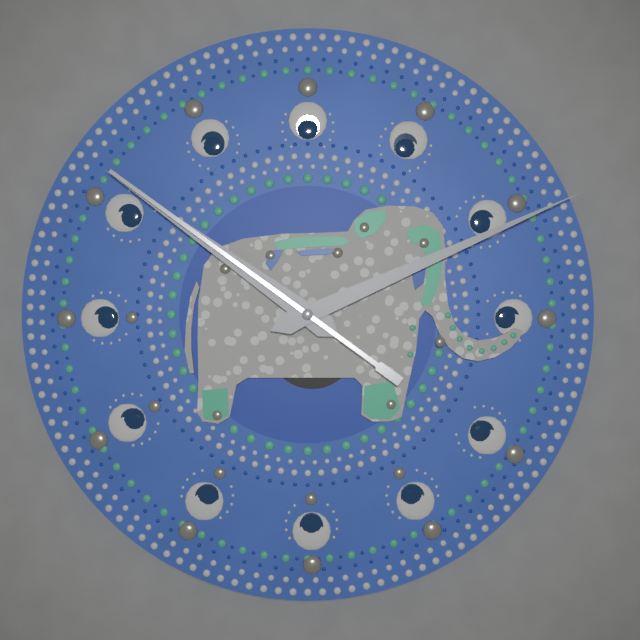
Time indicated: **10:11:51**
